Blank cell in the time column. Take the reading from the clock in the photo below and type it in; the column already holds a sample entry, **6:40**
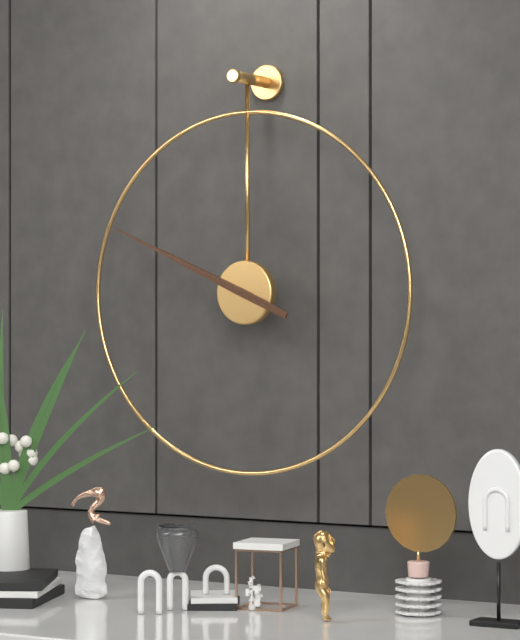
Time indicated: **9:49**
